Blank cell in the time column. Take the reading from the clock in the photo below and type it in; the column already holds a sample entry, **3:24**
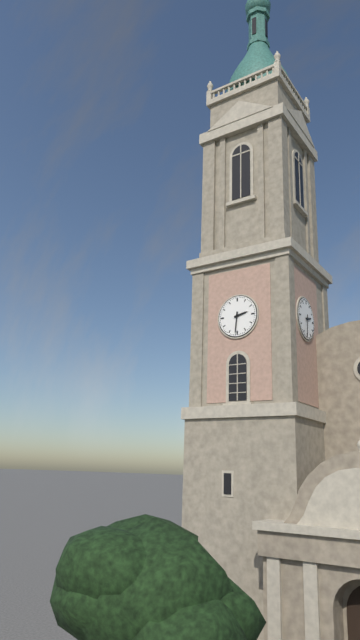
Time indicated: **2:31**
